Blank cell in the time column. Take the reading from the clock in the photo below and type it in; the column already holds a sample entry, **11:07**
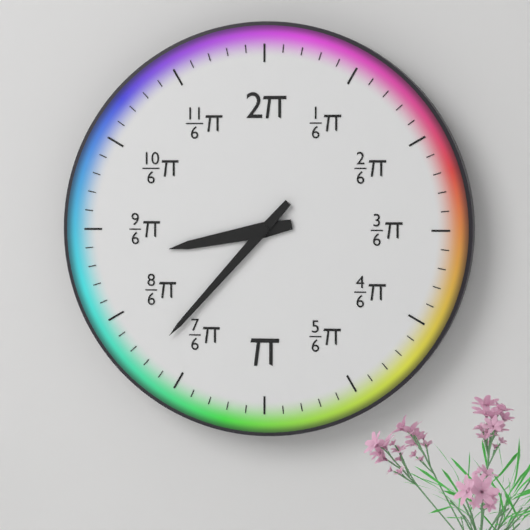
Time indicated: **8:37**
